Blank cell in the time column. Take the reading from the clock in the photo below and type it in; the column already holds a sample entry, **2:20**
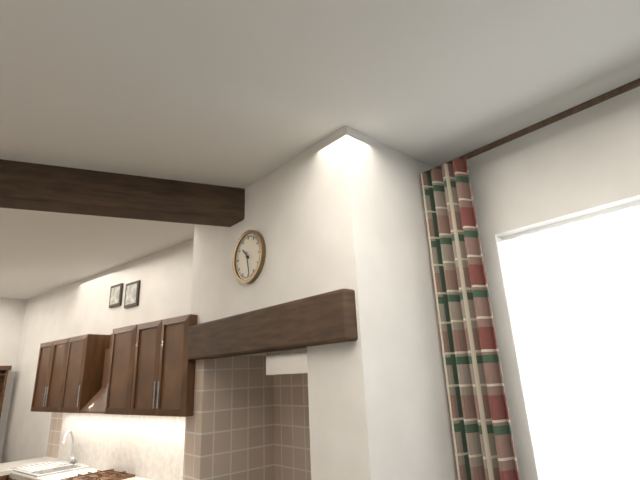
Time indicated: **10:28**
